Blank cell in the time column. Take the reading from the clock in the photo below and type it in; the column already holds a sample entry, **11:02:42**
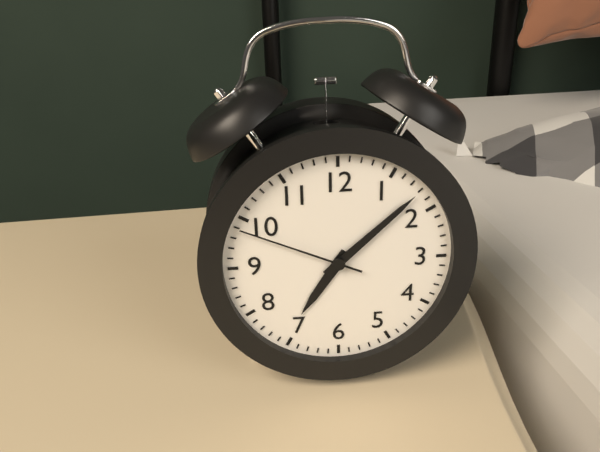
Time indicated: **7:08:49**
